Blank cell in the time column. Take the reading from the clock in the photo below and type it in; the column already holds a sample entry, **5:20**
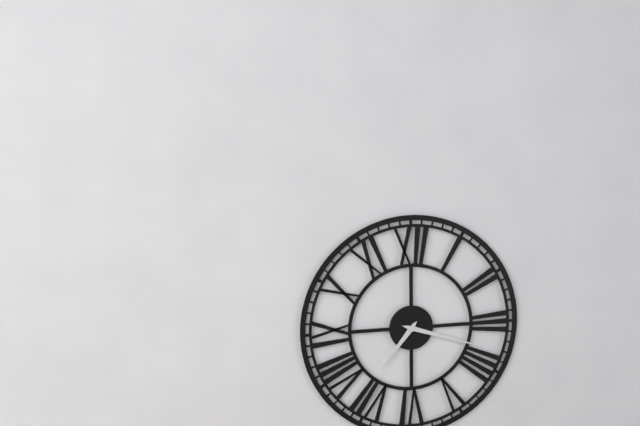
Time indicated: **7:18**
